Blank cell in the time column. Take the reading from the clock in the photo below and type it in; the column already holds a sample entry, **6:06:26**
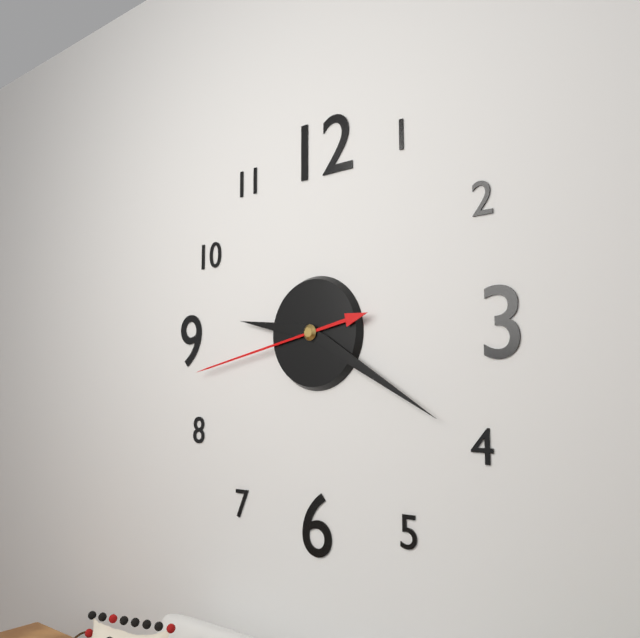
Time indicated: **9:20:43**
